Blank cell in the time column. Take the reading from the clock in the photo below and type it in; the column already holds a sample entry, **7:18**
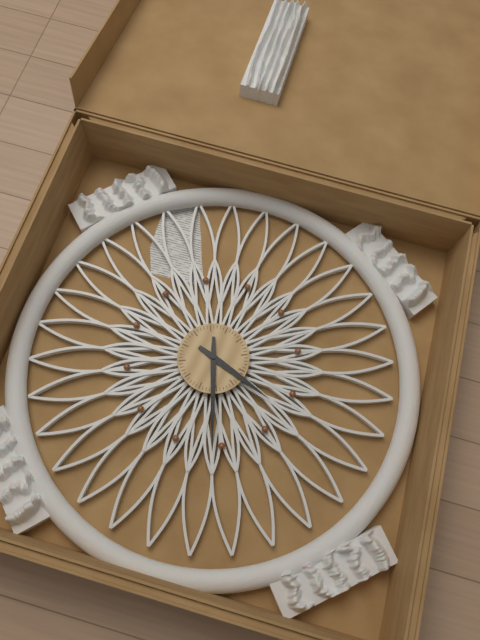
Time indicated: **3:26**
